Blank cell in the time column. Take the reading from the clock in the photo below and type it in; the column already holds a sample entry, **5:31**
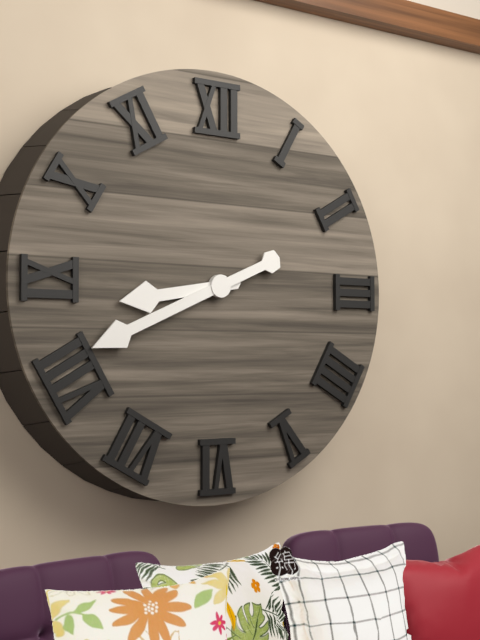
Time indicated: **8:41**
